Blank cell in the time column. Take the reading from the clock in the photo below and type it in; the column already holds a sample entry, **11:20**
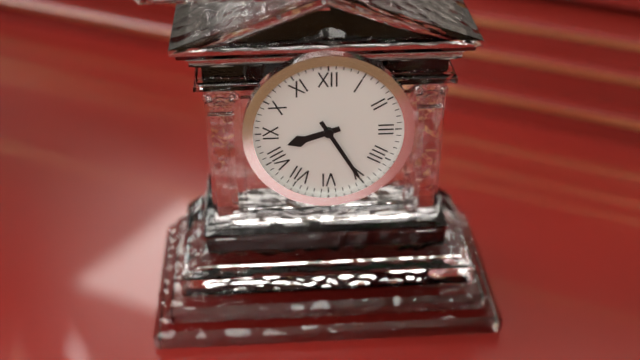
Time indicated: **8:25**
